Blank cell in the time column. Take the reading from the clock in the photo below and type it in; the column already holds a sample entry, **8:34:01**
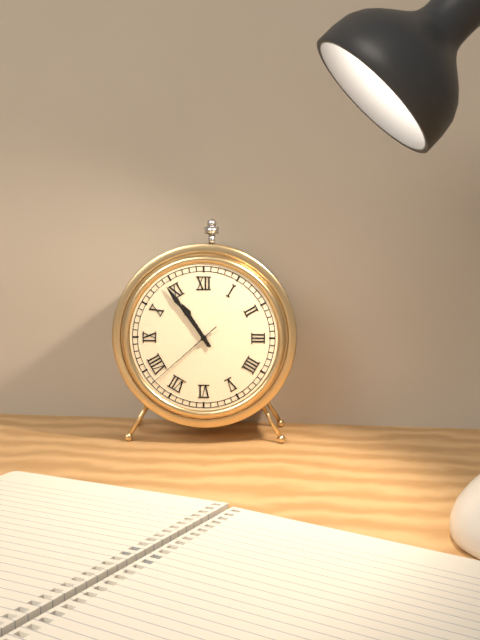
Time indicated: **10:54:38**
